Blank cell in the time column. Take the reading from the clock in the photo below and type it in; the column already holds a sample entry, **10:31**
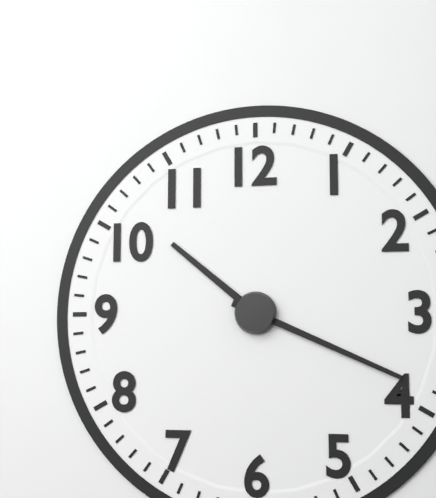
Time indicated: **10:19**
